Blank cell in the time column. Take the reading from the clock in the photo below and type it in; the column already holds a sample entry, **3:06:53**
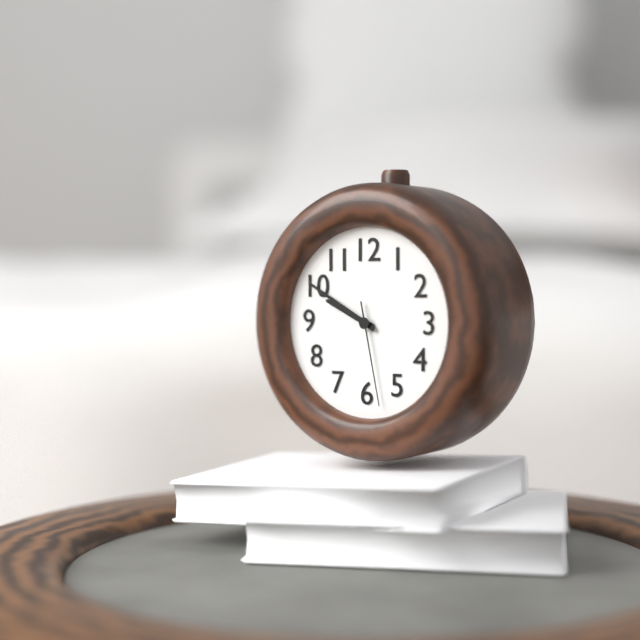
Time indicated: **9:50:28**
